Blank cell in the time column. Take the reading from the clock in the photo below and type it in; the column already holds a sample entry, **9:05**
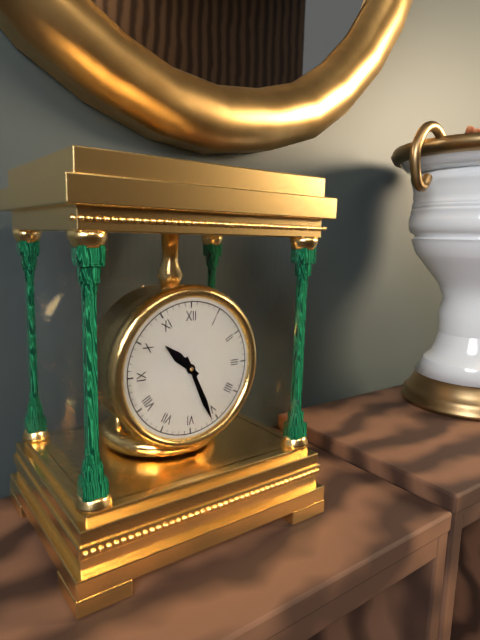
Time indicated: **10:26**
